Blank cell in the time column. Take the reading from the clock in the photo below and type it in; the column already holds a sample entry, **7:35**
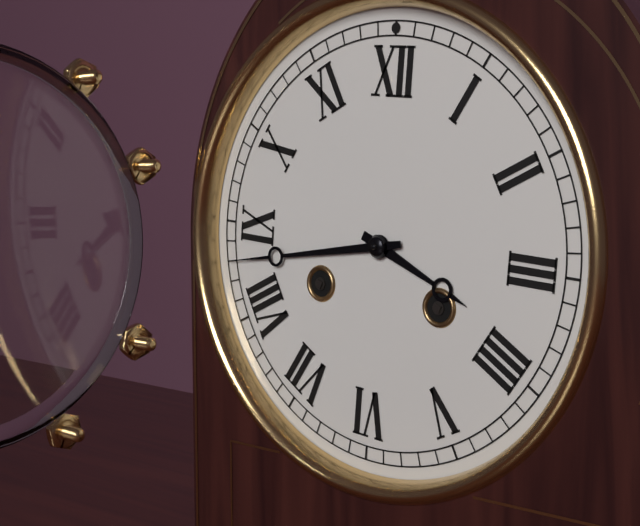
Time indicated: **3:43**
